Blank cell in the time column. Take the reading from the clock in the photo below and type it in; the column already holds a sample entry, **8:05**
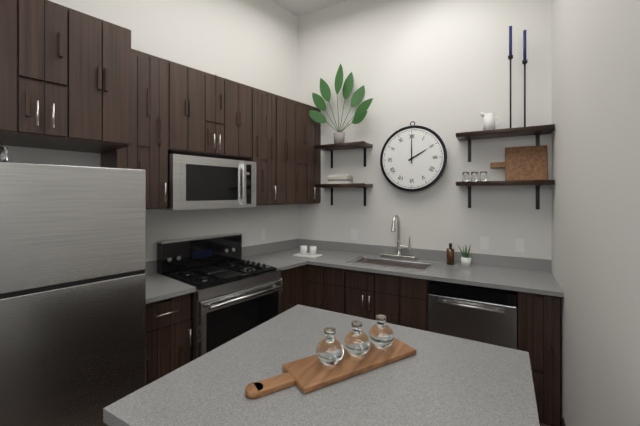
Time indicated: **2:00**
